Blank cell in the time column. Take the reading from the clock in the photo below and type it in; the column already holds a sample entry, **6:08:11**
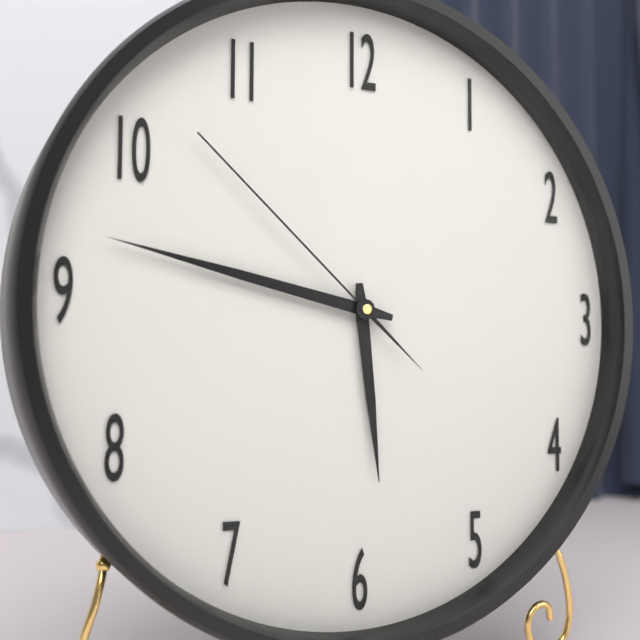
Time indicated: **5:47:52**
